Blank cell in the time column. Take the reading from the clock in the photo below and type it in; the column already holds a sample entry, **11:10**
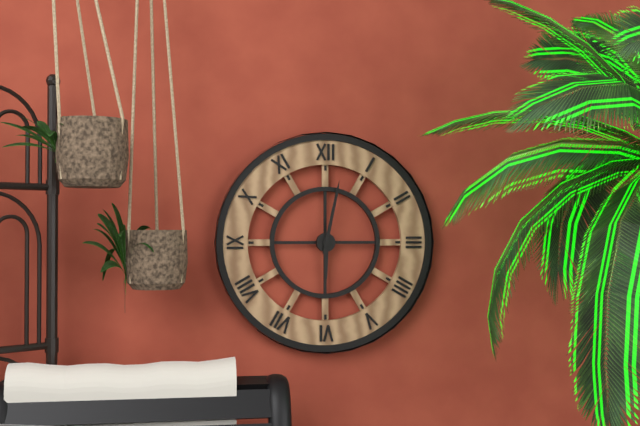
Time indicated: **6:02**
